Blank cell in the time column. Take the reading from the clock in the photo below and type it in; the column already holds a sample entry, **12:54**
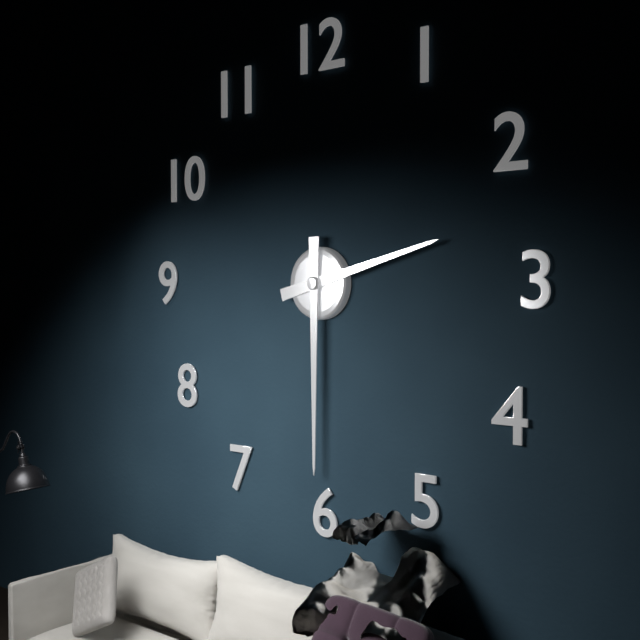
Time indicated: **2:30**
